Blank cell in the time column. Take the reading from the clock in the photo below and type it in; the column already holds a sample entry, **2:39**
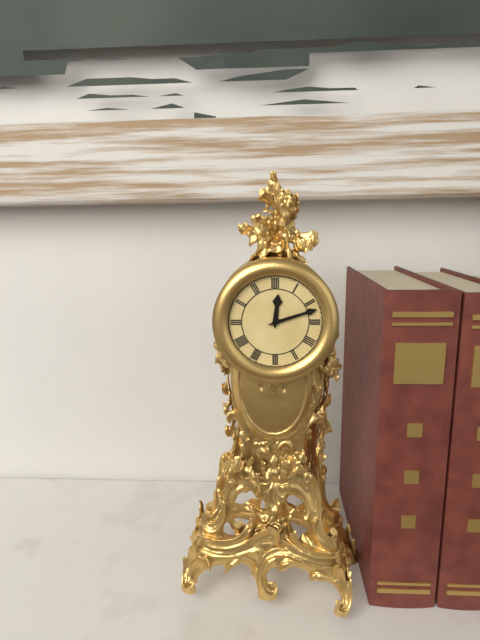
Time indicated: **12:12**
